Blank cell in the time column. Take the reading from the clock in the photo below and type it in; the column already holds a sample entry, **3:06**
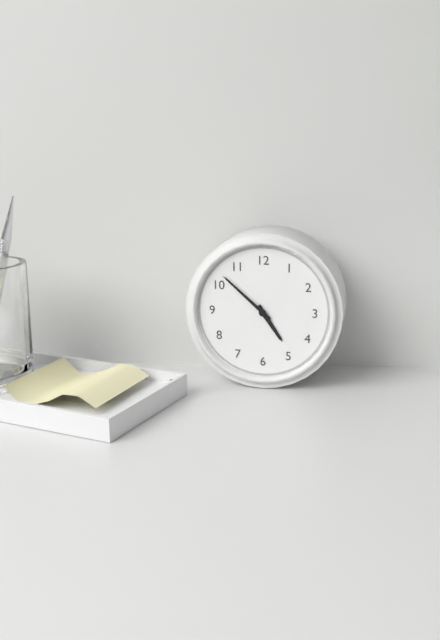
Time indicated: **4:52**
